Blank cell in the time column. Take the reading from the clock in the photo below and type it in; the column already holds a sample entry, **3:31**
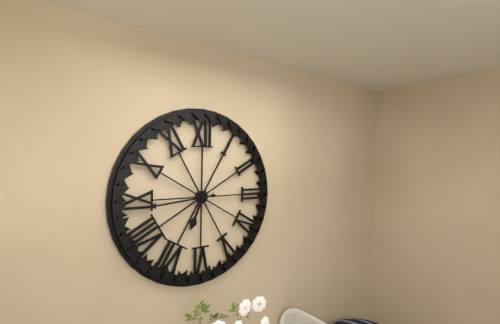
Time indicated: **6:44**
